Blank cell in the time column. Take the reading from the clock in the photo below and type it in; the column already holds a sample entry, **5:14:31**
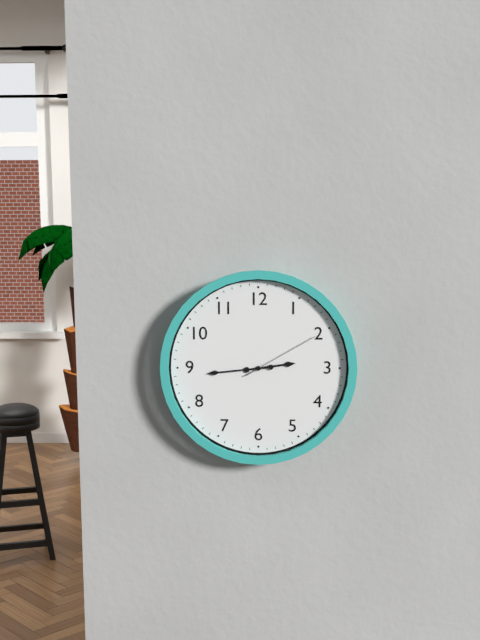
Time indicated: **2:44:10**
